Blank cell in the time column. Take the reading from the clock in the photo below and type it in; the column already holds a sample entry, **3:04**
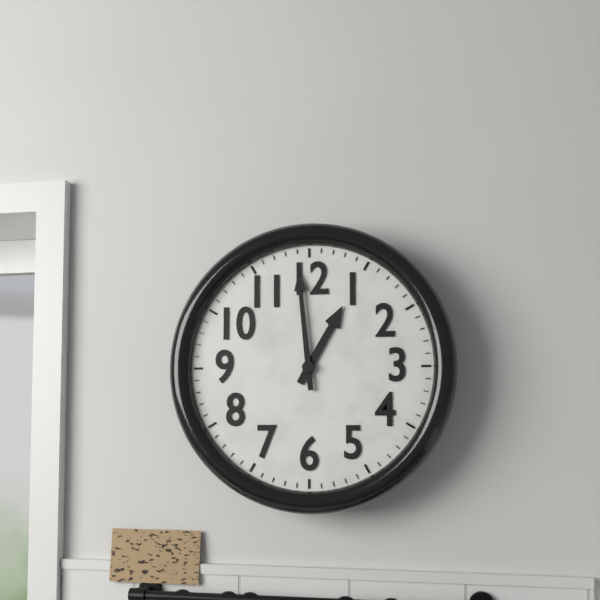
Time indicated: **12:59**
